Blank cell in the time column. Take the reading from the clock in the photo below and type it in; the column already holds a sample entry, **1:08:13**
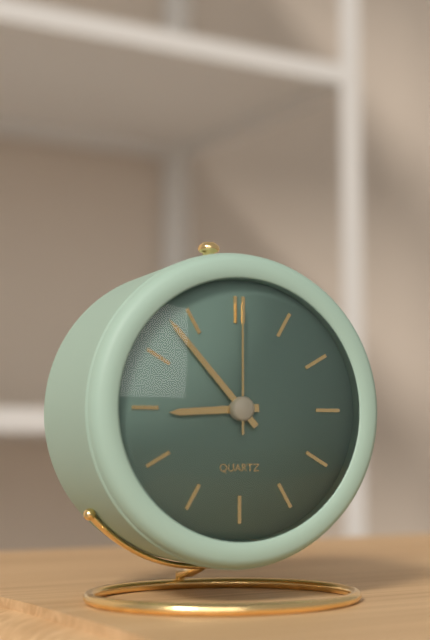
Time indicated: **8:53:00**
